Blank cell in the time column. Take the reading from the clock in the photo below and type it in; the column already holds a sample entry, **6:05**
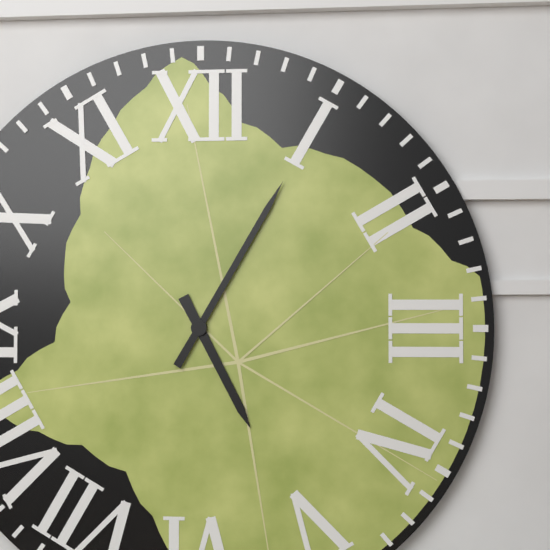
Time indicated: **5:05**
